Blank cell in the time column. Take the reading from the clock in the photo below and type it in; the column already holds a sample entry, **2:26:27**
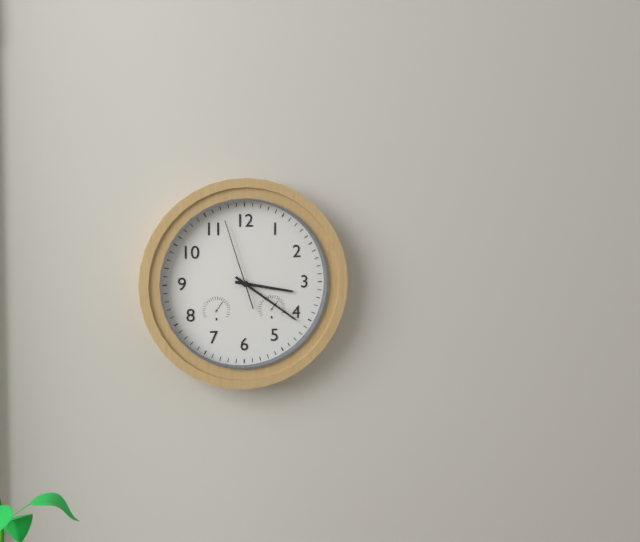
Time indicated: **3:21:57**
